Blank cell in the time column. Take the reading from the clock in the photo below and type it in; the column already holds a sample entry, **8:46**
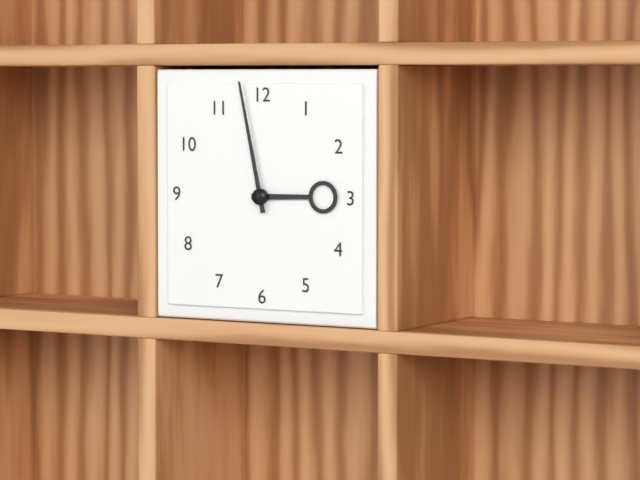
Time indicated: **2:58**
